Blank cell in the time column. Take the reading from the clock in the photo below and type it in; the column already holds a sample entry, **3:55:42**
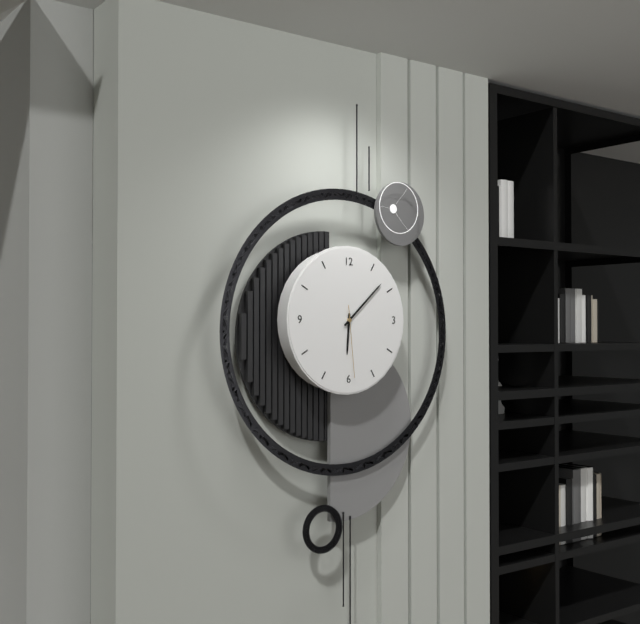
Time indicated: **6:08:29**
